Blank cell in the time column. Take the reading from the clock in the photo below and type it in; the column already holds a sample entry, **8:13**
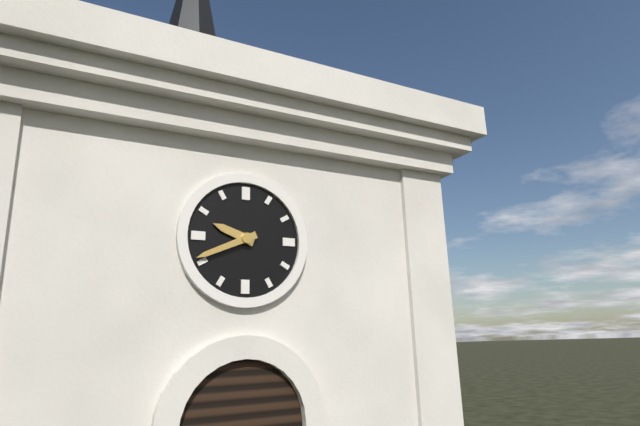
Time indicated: **9:41**
